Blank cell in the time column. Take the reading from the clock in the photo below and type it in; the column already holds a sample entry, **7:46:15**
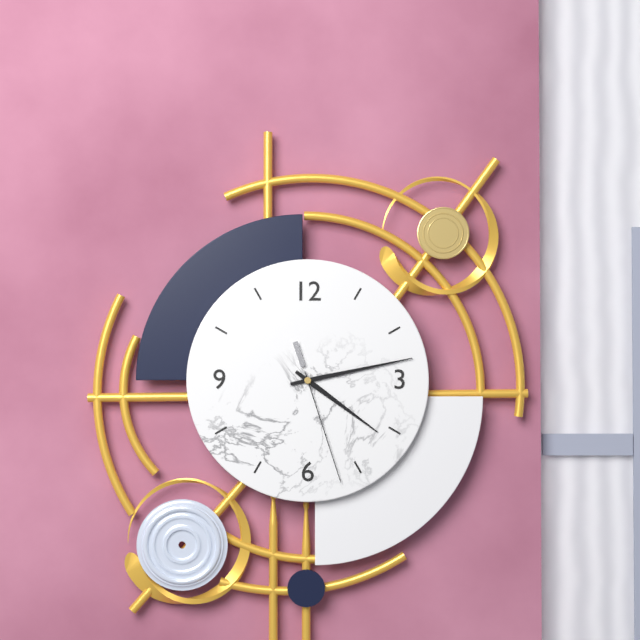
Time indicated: **4:13:27**
